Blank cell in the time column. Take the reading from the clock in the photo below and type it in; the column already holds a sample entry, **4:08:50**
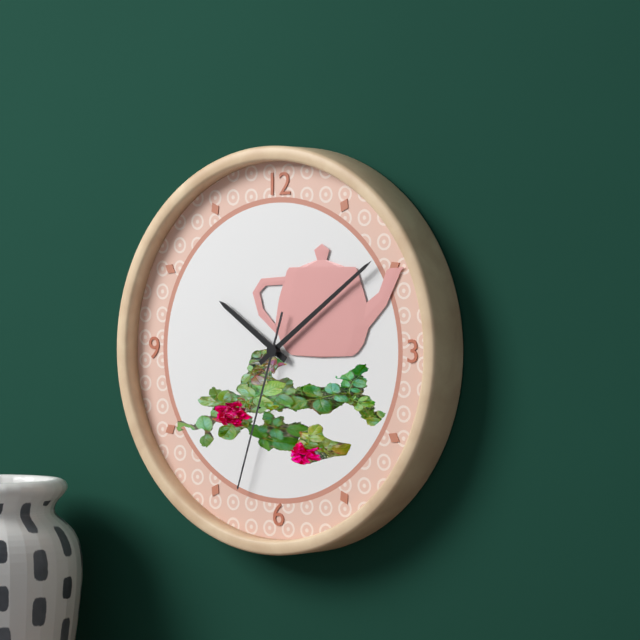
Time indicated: **10:09:33**
